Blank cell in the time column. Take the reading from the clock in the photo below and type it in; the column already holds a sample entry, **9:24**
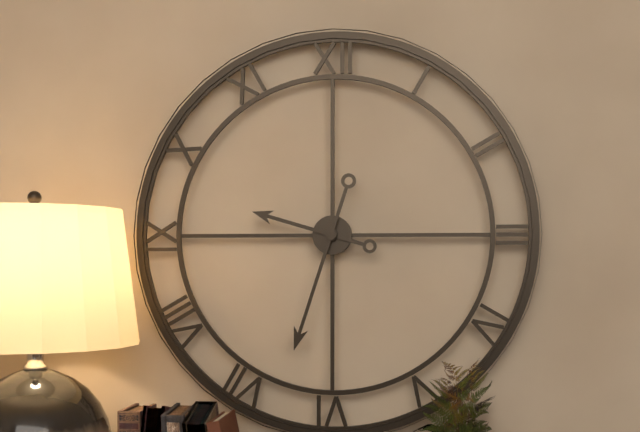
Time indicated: **9:33**
